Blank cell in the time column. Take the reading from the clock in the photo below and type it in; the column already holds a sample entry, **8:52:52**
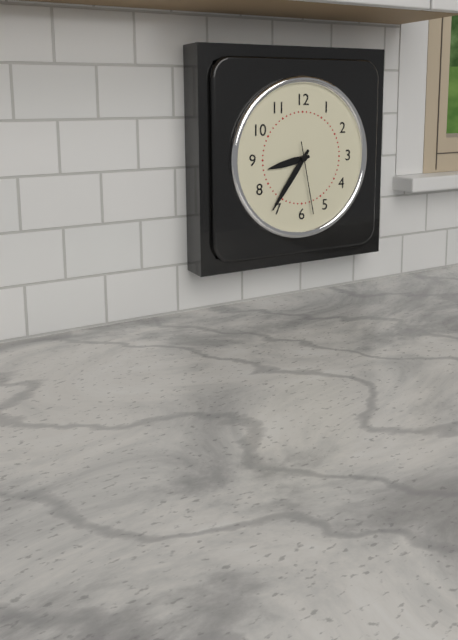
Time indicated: **8:36:28**
